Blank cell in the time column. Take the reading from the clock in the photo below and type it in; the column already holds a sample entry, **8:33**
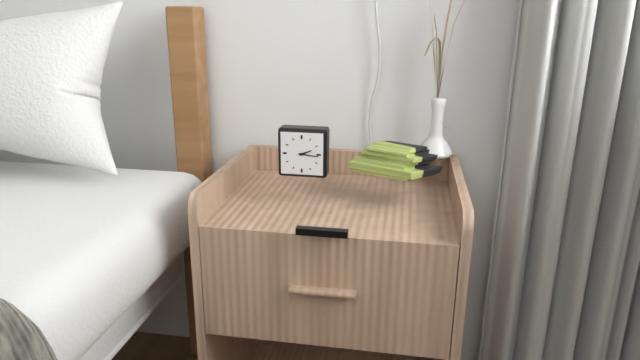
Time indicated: **2:16**
